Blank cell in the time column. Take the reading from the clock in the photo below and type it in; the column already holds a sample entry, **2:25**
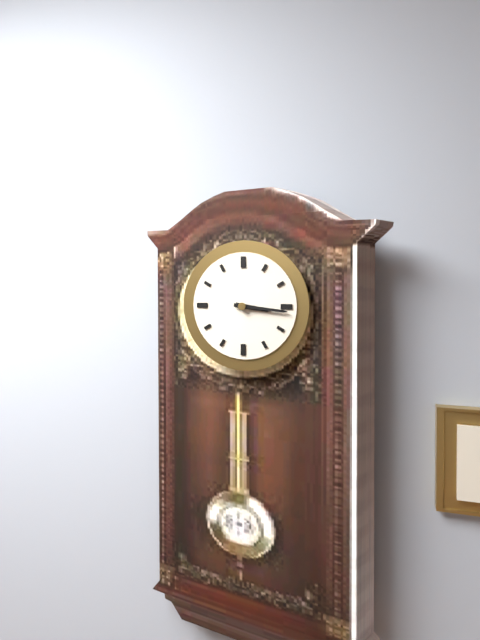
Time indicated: **3:16**
